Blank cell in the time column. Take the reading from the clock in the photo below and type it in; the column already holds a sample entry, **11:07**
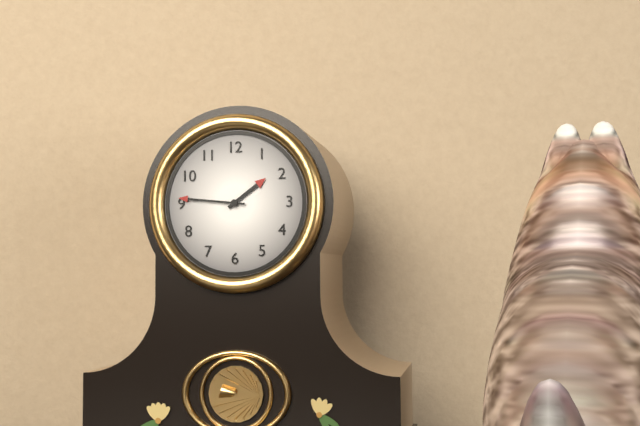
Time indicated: **1:46**
